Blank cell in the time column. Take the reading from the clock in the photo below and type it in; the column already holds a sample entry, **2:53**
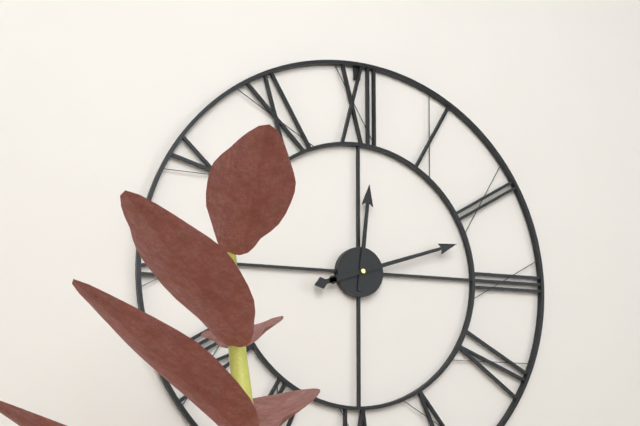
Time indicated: **12:12**
